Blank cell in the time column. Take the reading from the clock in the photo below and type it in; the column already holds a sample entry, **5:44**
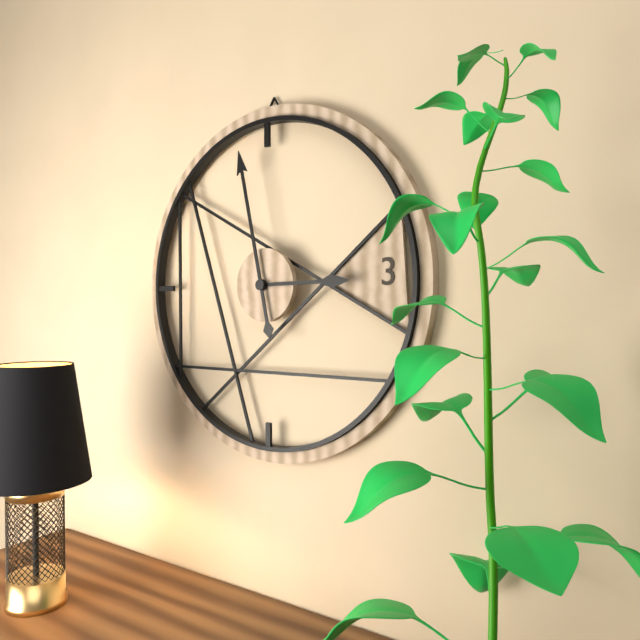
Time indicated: **2:58**
